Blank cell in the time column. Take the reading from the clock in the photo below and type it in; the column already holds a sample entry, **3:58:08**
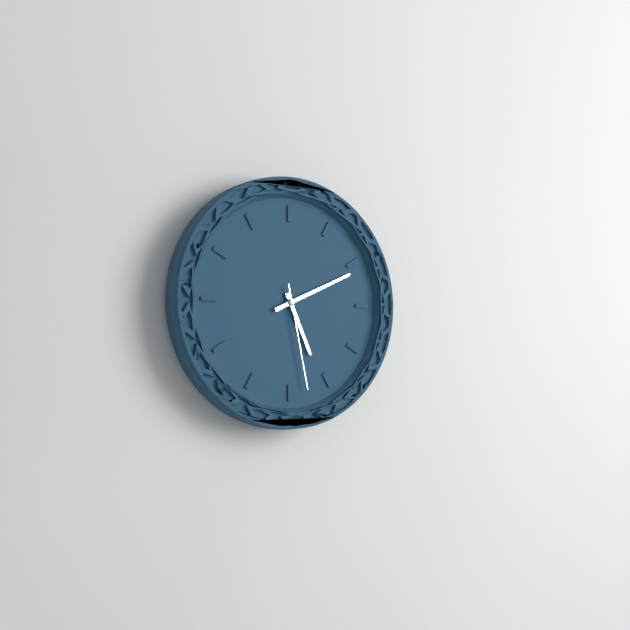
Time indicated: **5:11:28**
